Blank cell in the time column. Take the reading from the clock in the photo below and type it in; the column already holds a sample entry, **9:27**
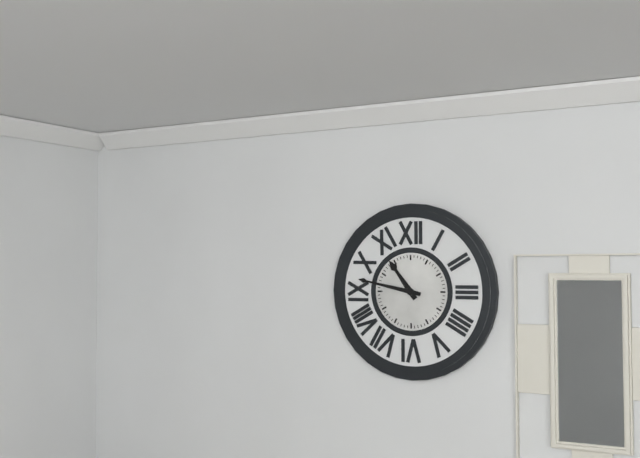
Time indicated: **10:47**
